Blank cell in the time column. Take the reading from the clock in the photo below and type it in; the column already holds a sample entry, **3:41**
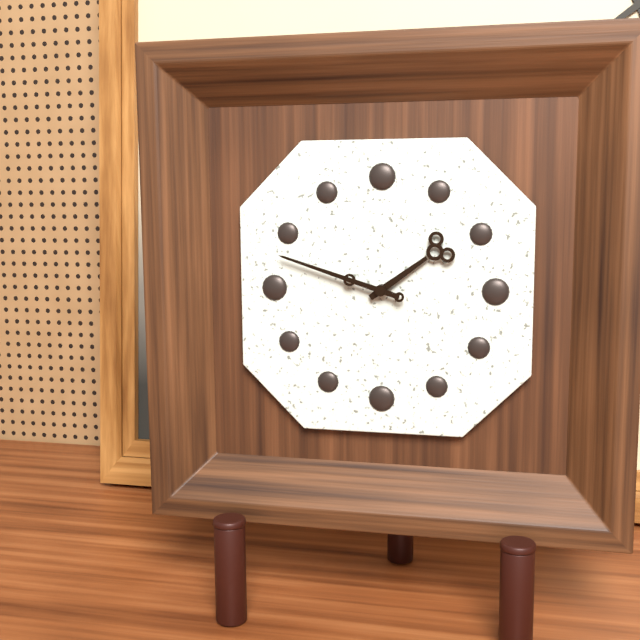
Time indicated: **1:48**
